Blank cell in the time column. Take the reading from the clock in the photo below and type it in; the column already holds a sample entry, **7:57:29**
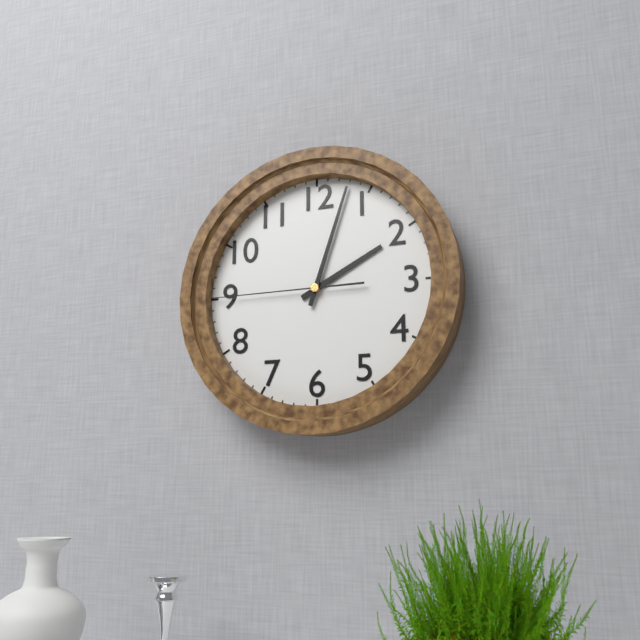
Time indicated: **2:03:45**
